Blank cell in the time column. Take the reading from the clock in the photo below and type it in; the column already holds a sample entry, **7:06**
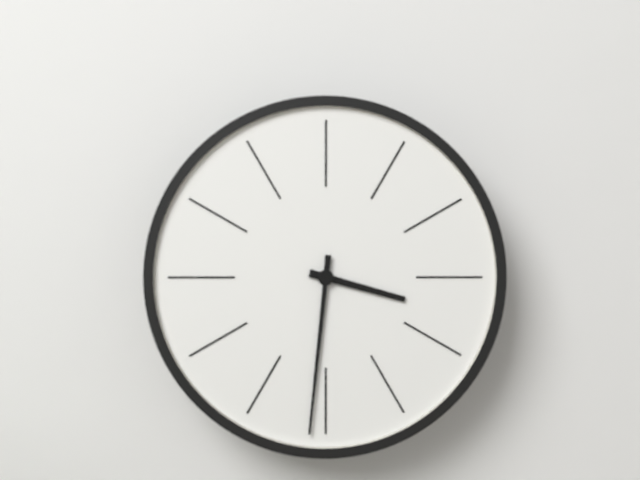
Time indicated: **3:31**
